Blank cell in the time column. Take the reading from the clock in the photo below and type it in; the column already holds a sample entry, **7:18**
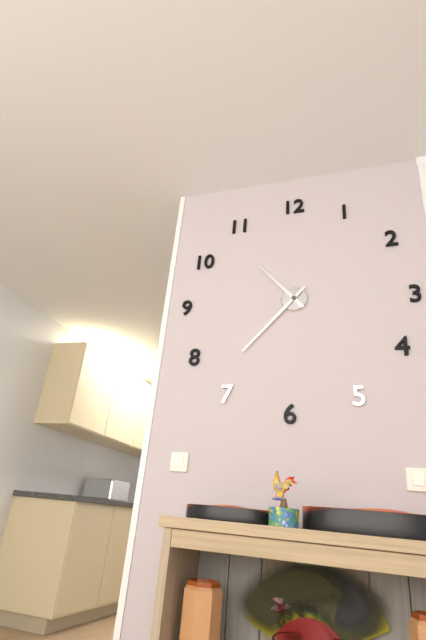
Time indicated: **10:37**
